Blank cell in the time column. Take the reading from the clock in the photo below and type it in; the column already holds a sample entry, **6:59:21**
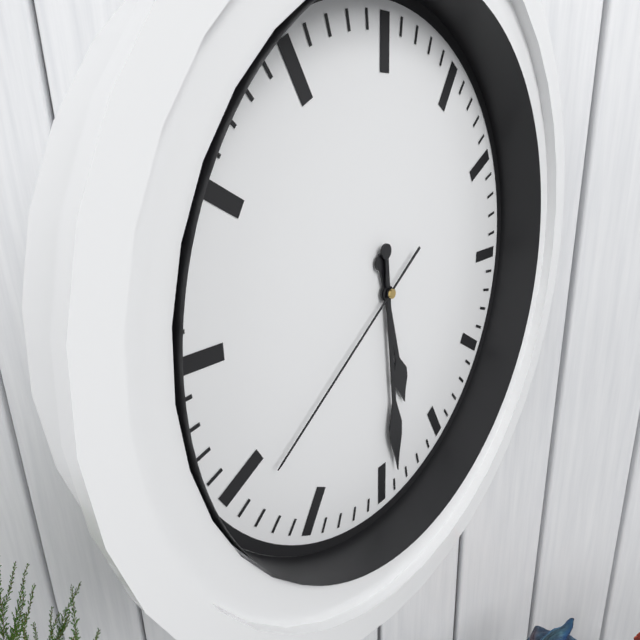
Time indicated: **5:29:39**
